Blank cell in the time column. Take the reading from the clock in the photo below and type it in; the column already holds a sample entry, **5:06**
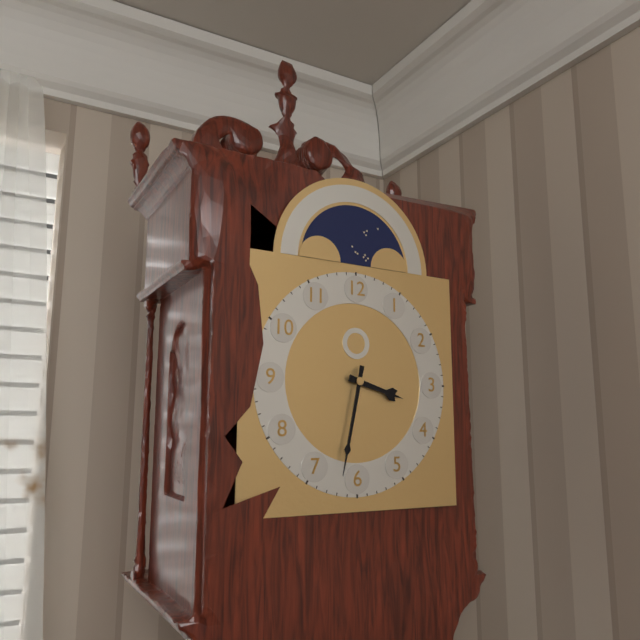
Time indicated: **3:32**
